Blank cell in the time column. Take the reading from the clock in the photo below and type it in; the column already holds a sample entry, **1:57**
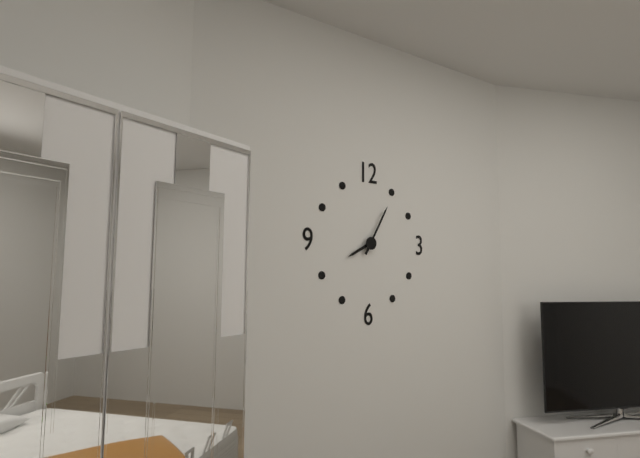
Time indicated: **8:05**
